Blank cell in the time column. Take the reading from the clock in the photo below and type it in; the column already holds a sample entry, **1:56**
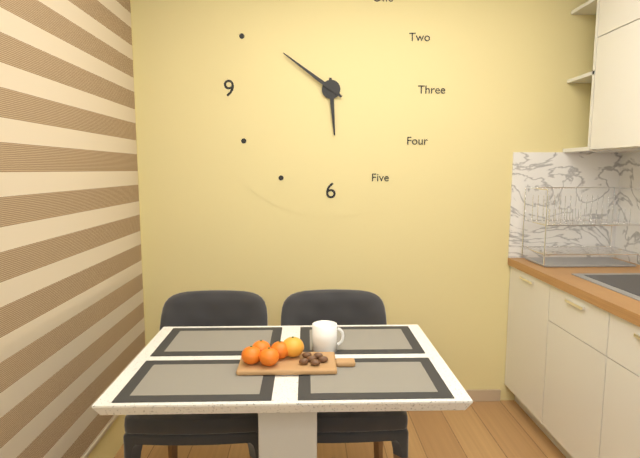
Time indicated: **5:51**
